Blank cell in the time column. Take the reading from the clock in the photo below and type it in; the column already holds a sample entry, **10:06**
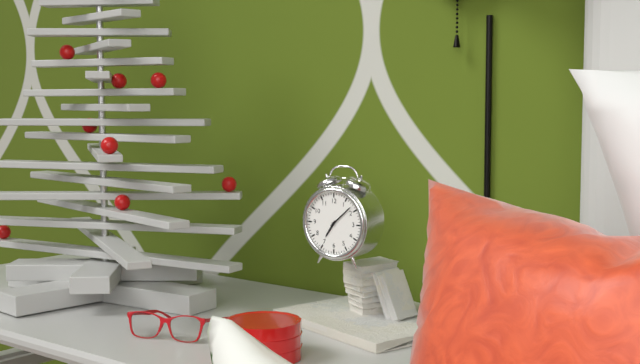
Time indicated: **7:08**
